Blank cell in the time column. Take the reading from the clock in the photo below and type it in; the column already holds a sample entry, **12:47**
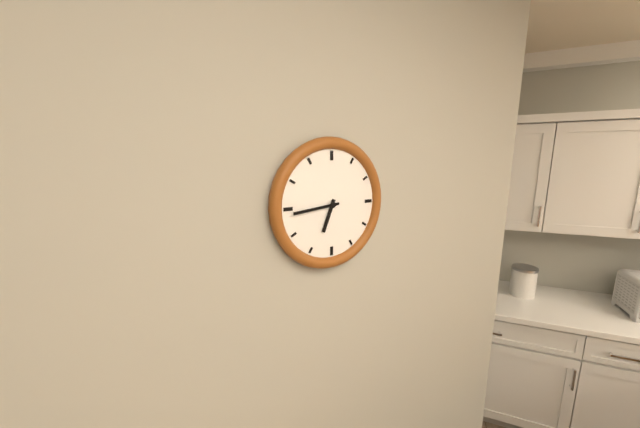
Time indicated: **6:44**
